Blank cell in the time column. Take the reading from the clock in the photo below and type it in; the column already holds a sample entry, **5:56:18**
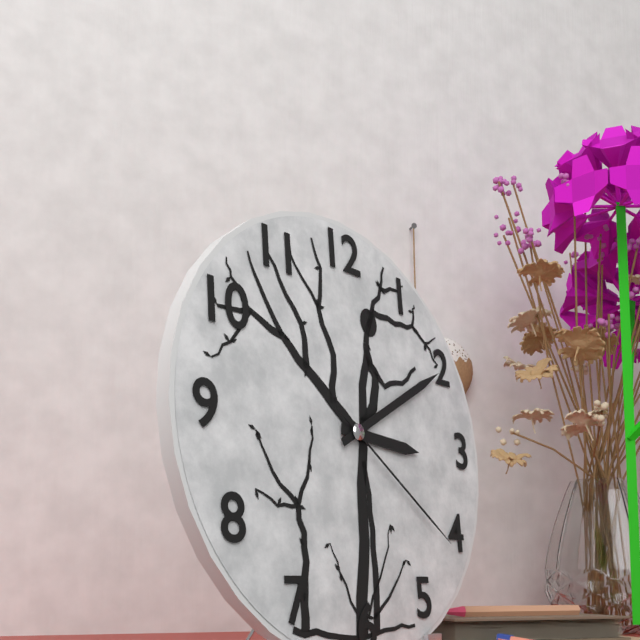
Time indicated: **3:10:21**
